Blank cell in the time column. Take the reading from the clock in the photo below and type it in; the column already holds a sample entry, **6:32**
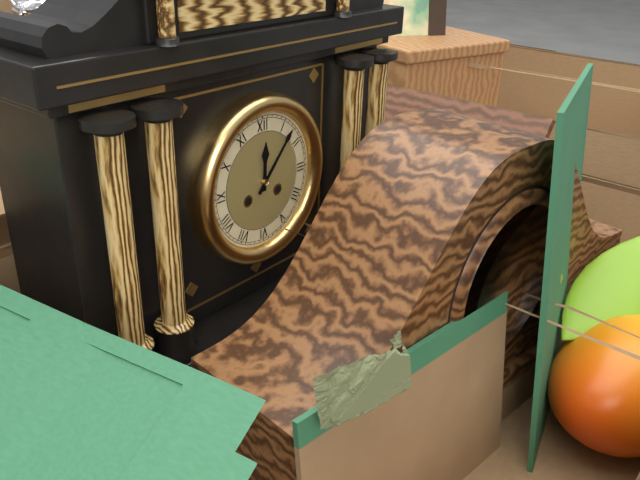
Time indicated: **12:07**
